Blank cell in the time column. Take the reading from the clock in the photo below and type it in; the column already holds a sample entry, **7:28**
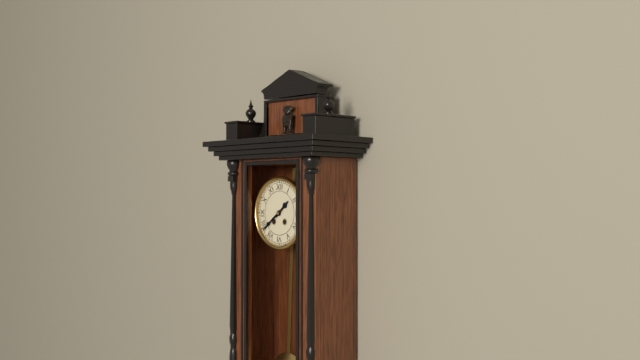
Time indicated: **1:39**
